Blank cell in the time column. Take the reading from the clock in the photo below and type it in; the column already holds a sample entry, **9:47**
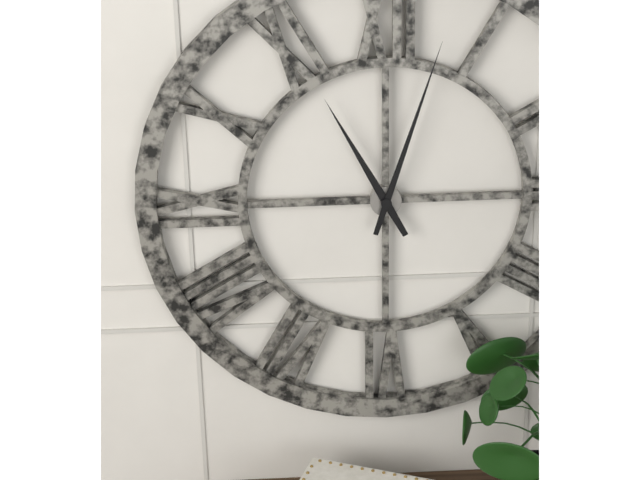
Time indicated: **11:03**
